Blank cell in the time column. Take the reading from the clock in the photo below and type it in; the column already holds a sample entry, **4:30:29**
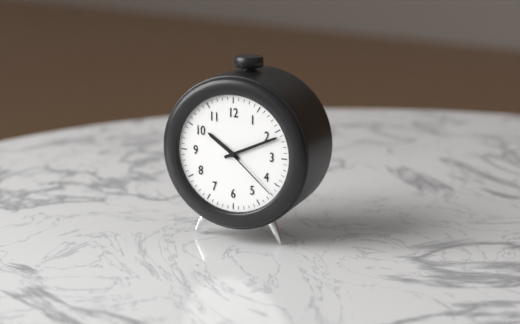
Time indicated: **10:11:22**
